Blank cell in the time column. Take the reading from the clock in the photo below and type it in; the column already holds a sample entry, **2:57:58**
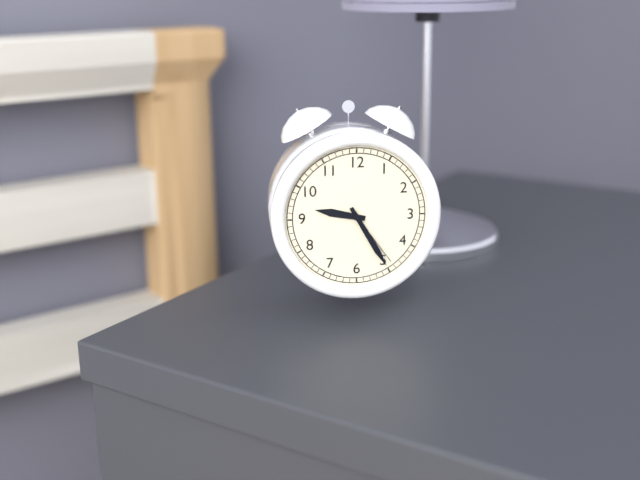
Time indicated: **9:25:24**
